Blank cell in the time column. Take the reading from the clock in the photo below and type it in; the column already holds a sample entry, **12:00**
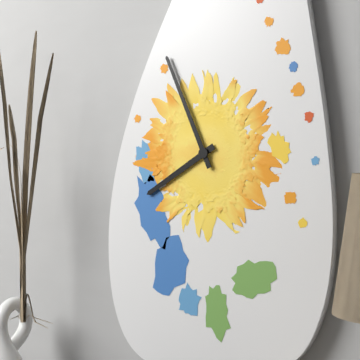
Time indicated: **7:56**
